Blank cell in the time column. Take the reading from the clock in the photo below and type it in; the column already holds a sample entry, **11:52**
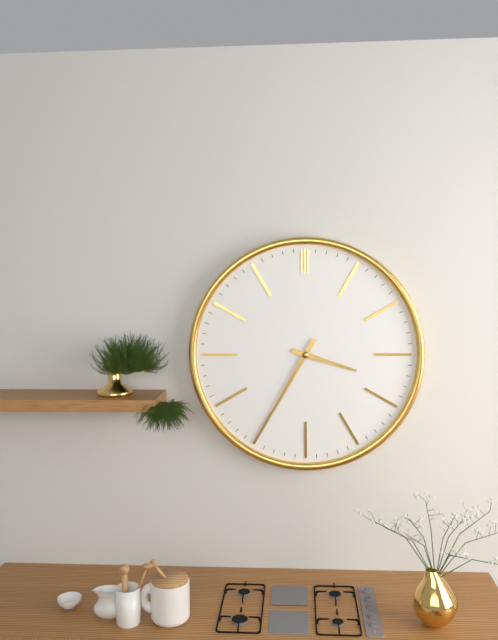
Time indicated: **3:35**
